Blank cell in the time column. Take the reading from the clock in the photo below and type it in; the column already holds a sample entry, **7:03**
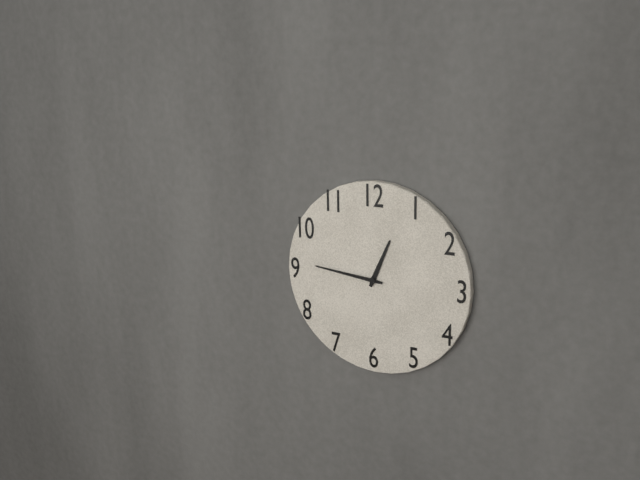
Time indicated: **12:46**
